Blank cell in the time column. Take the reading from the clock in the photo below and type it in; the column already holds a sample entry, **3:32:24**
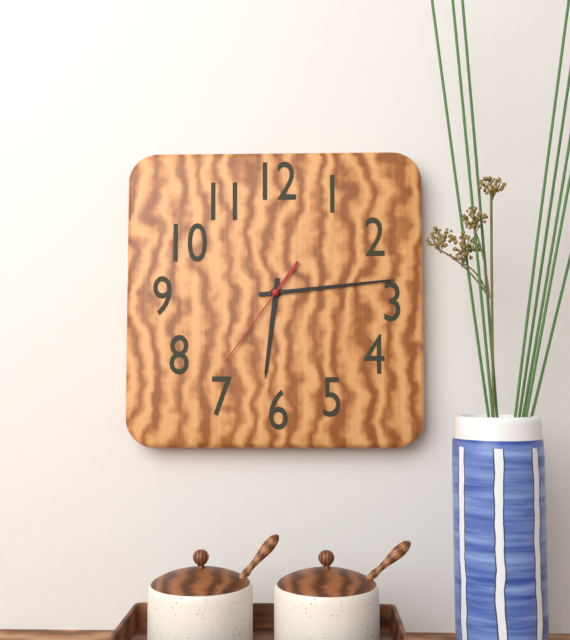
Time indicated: **6:14:36**
